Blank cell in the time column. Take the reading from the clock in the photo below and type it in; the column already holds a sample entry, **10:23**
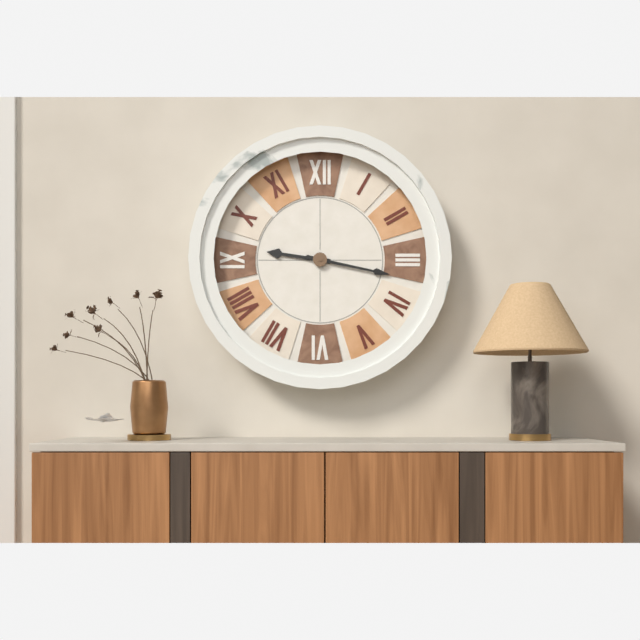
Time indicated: **9:17**
